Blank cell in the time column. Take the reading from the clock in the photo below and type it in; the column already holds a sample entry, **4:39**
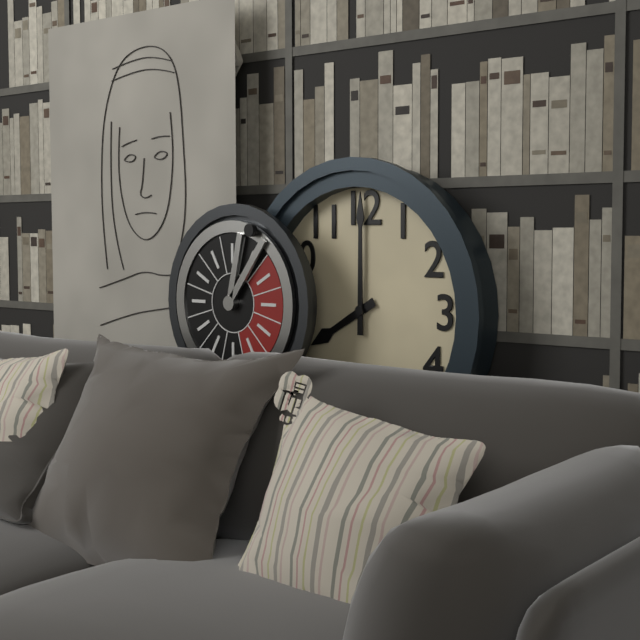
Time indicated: **8:00**
